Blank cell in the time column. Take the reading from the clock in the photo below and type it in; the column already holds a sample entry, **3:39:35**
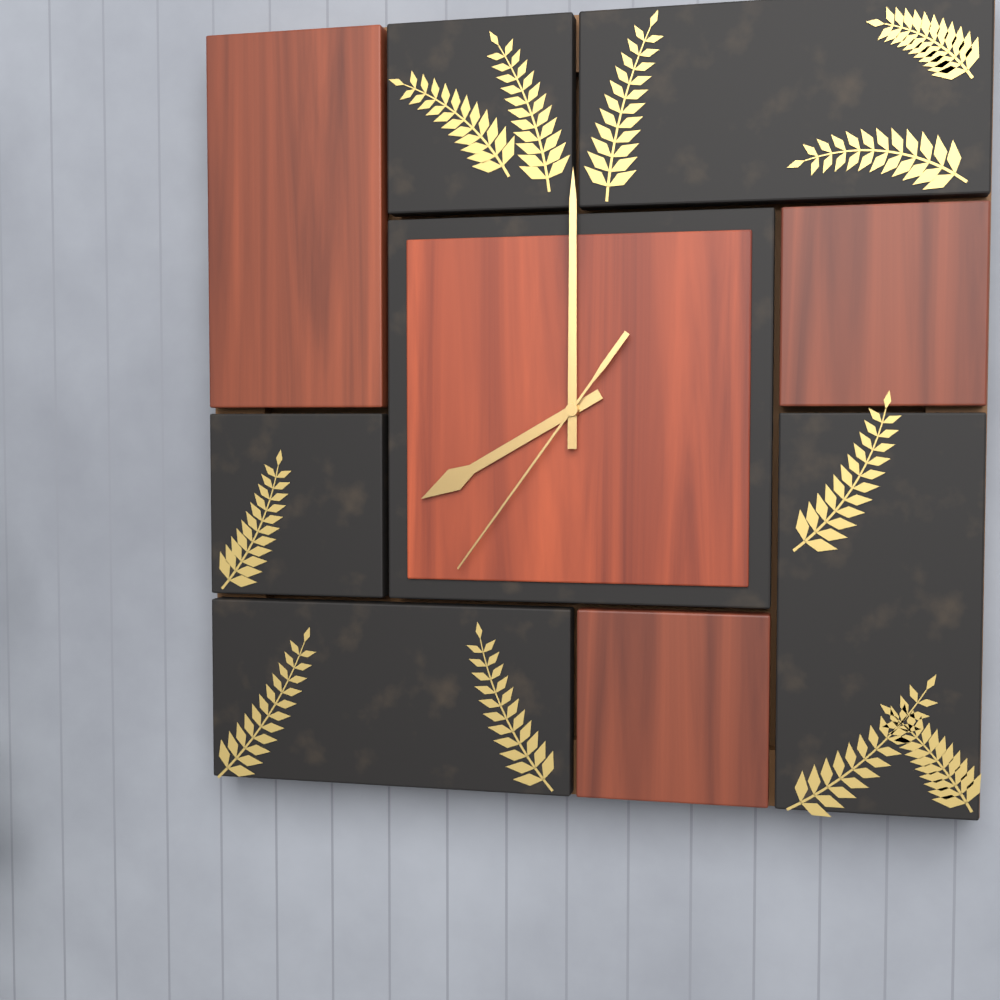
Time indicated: **8:00:36**
